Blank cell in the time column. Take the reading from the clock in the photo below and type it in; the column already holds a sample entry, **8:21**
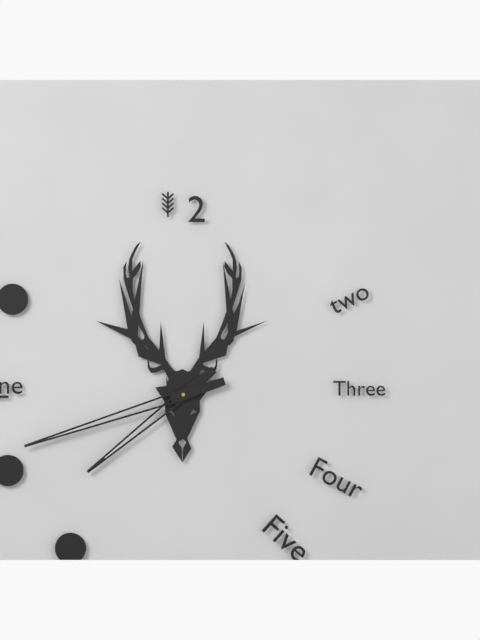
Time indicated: **7:42**
